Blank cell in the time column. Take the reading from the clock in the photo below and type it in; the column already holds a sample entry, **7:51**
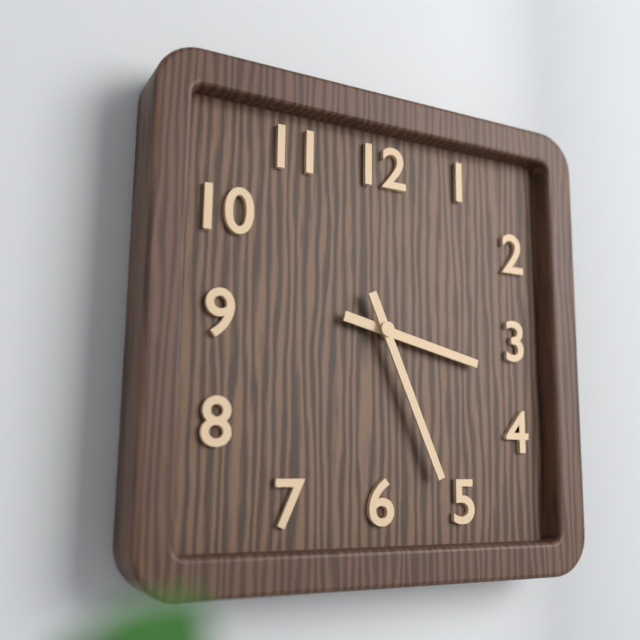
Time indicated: **3:26**
